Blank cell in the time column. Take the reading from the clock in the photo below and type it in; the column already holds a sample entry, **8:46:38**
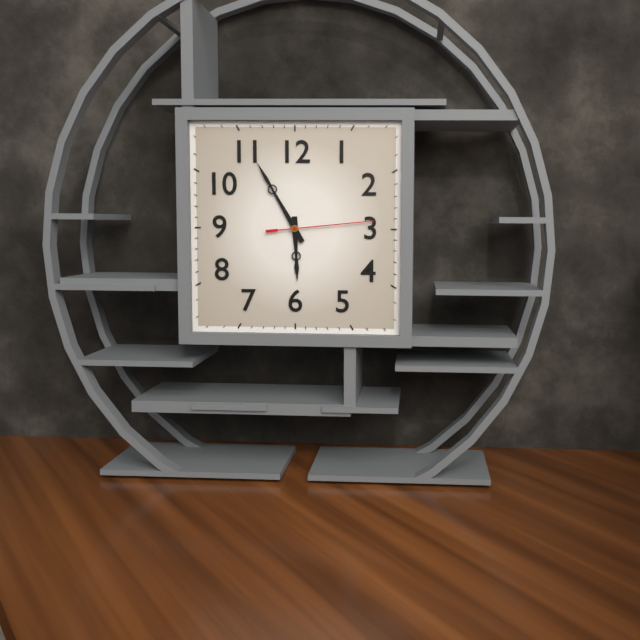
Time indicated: **5:55:14**
